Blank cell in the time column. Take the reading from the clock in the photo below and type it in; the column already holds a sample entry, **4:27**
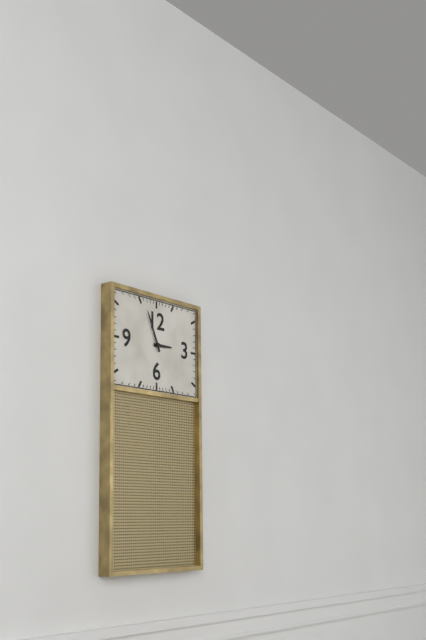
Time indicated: **2:56**
